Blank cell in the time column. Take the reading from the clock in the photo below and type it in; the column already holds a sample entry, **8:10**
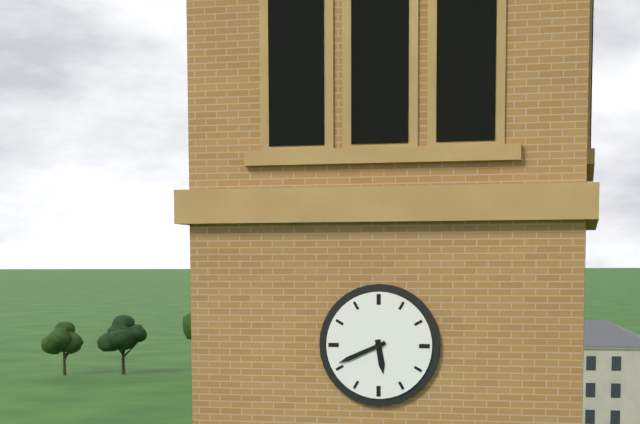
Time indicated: **5:41**
